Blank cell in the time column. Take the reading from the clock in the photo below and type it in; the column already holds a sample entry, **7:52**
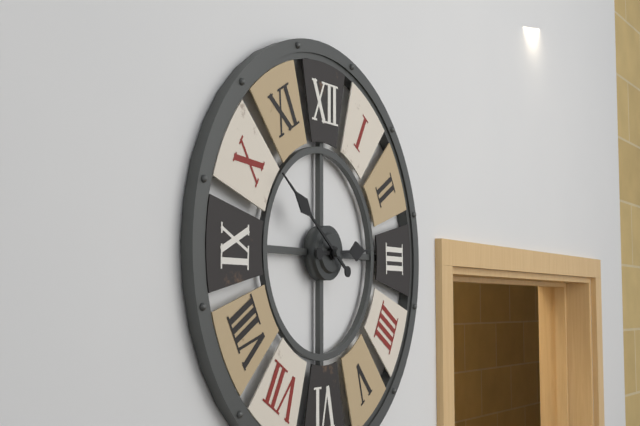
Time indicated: **2:51**
